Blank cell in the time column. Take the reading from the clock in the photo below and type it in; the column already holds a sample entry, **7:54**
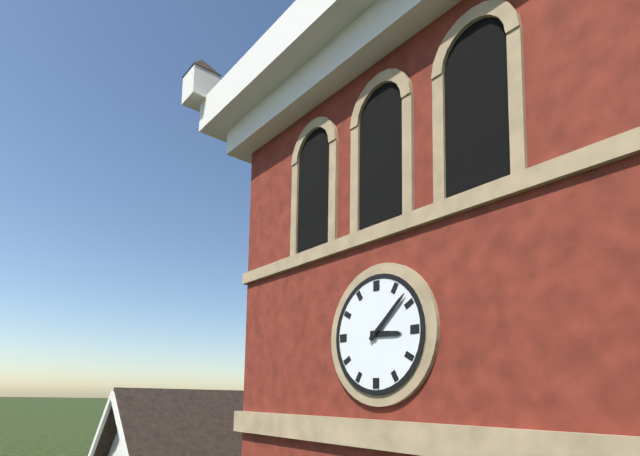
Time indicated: **3:08**
